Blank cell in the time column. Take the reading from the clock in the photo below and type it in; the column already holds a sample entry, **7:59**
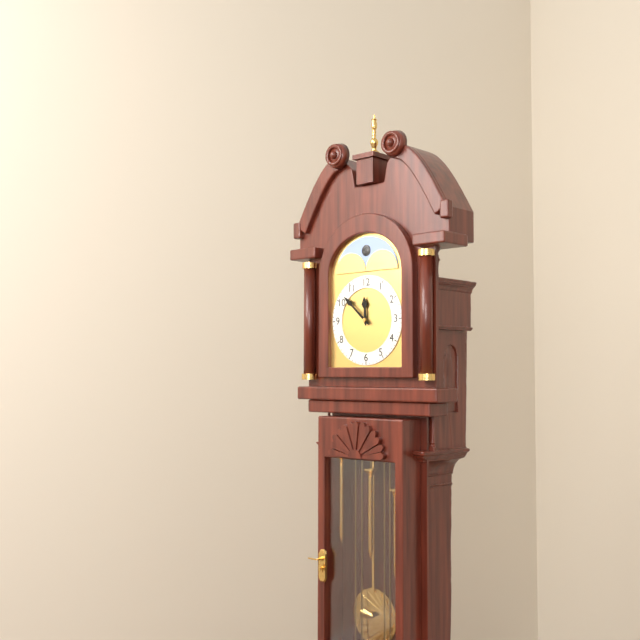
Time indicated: **11:52**
